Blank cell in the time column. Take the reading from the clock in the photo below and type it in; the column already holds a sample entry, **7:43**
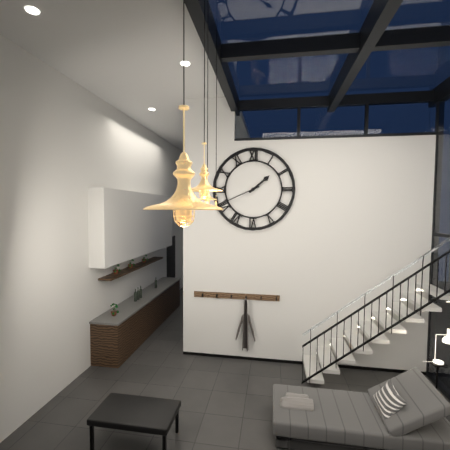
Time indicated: **1:41**
